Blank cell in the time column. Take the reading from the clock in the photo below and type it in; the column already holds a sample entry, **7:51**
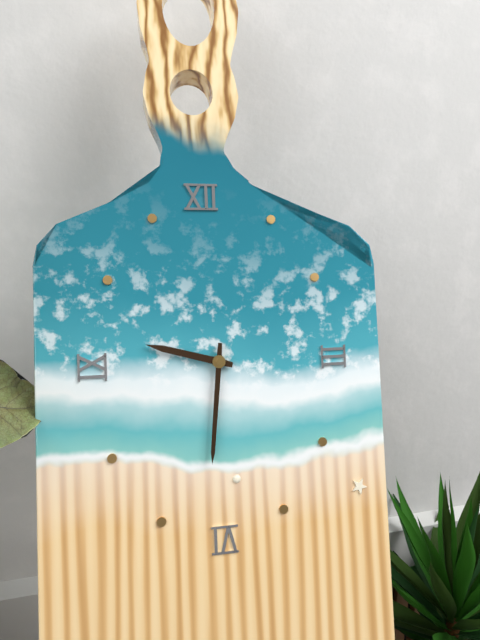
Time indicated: **9:31**
